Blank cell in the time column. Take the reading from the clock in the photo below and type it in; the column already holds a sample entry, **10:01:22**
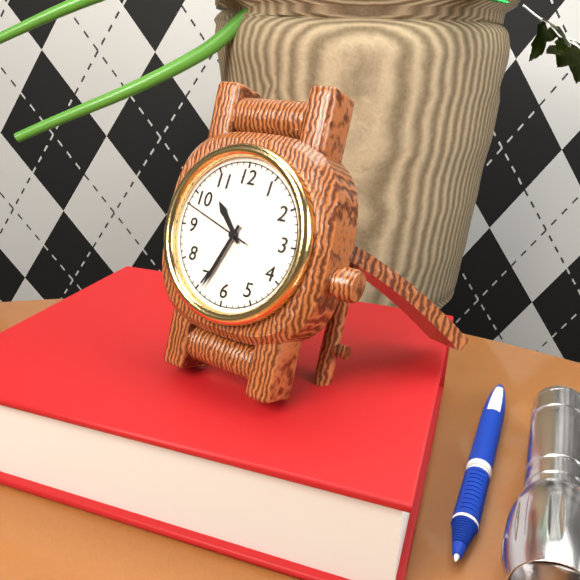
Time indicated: **10:34:48**
